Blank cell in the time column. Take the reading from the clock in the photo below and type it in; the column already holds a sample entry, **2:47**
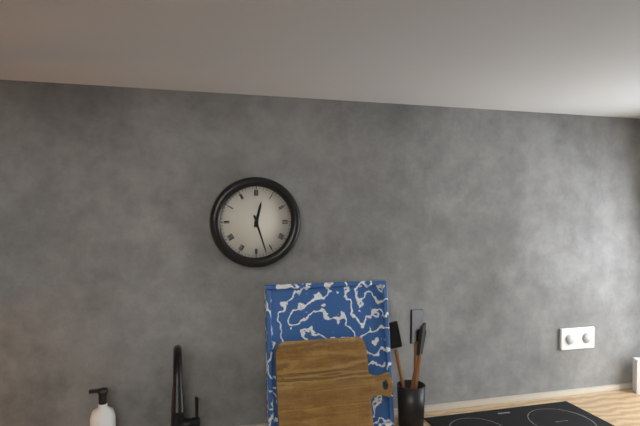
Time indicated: **12:27**
